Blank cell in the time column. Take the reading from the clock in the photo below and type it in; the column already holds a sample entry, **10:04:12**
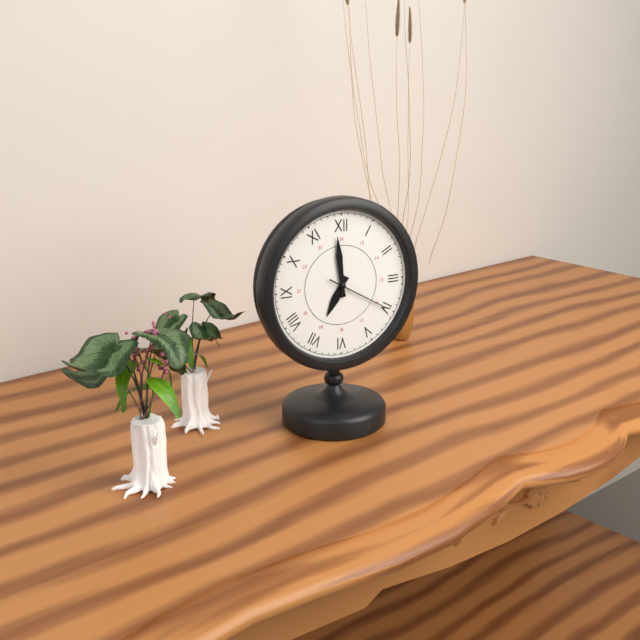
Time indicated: **6:59:20**
